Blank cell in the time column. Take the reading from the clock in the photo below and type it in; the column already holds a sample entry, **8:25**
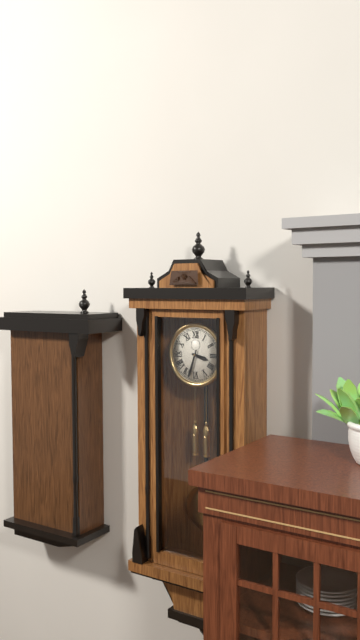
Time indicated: **3:33**
